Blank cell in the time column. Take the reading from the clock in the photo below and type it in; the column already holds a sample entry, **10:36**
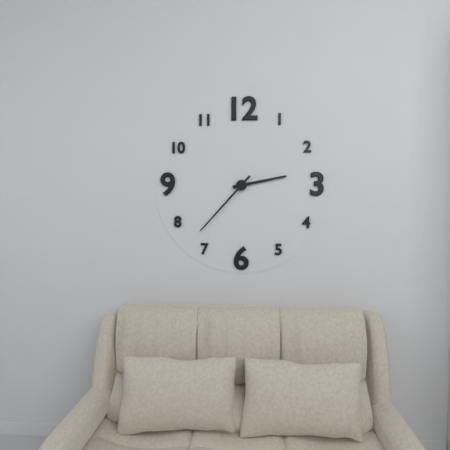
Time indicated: **2:37**
